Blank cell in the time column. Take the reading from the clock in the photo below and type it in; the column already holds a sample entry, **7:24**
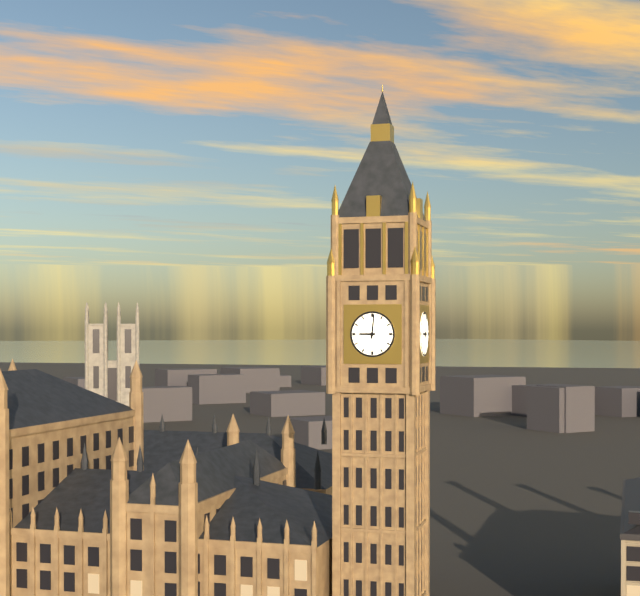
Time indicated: **9:01**
